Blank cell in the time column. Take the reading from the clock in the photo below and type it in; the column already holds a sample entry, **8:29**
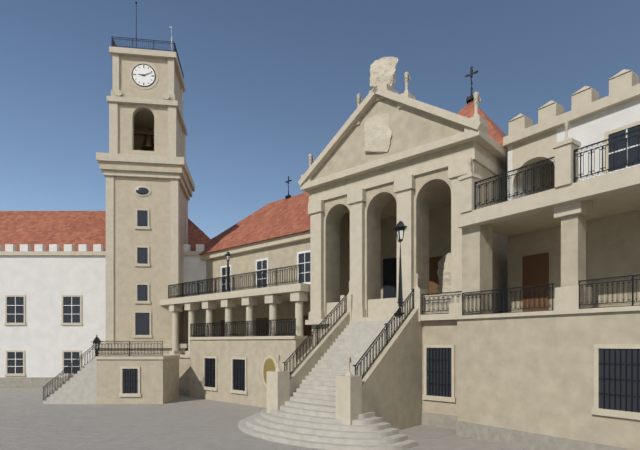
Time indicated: **9:11**
